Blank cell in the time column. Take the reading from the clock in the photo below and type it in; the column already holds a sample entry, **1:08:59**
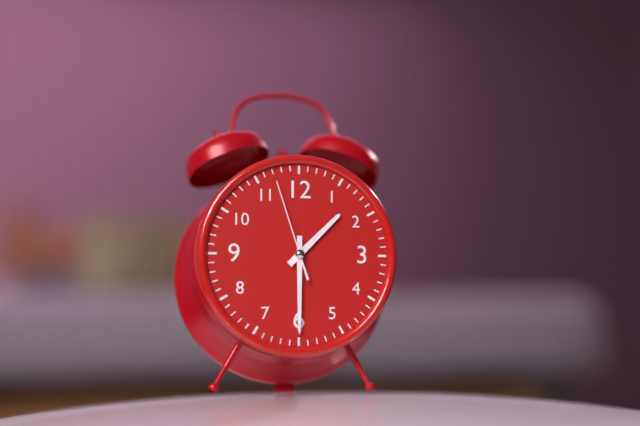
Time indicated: **1:30:57**
